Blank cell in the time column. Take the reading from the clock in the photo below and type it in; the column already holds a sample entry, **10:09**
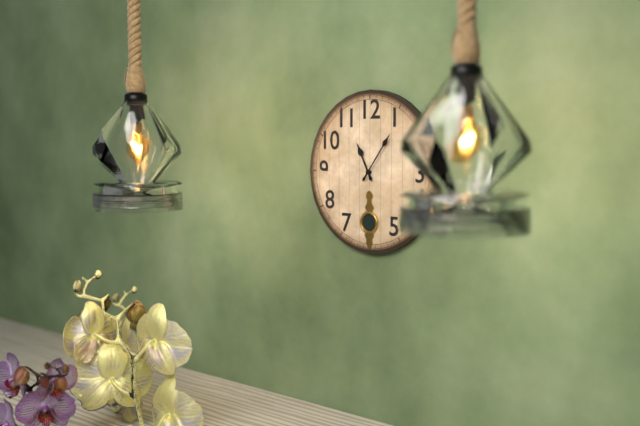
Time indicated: **11:06**
